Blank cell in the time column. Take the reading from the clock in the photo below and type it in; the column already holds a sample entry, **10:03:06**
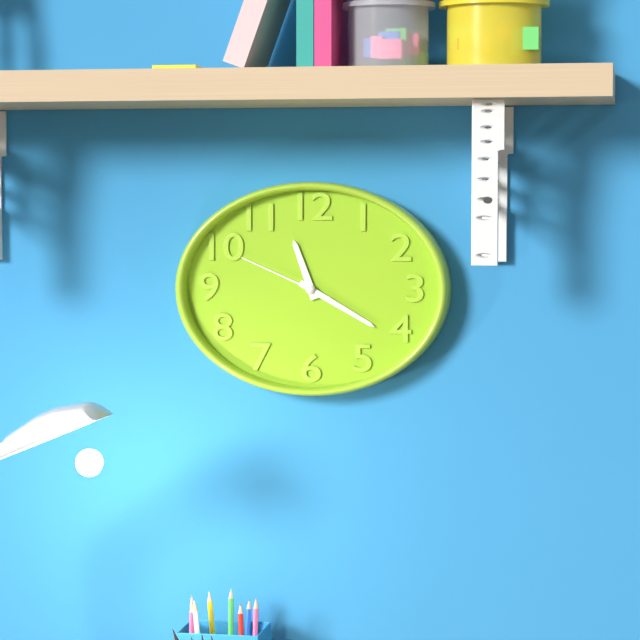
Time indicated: **11:20:49**
